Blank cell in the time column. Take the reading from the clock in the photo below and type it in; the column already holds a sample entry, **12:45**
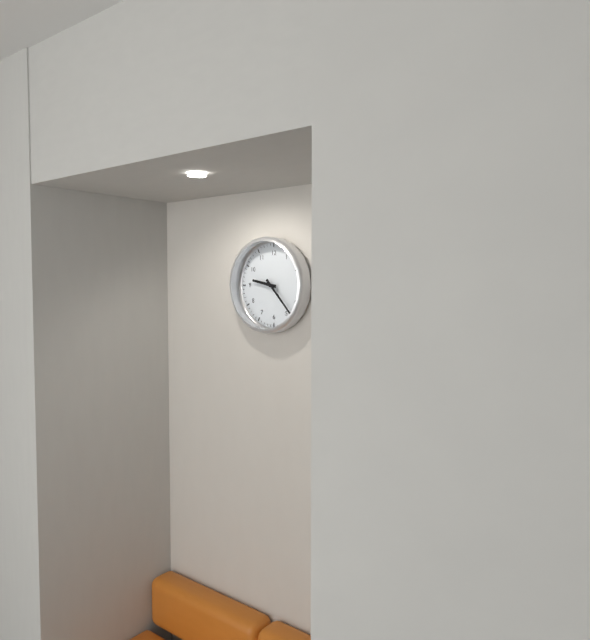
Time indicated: **9:23**
